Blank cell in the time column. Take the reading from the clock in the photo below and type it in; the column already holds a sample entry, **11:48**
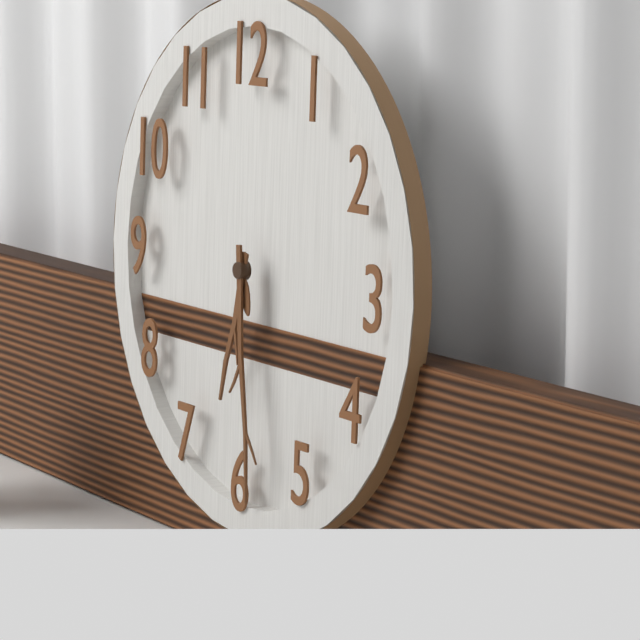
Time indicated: **6:29**
